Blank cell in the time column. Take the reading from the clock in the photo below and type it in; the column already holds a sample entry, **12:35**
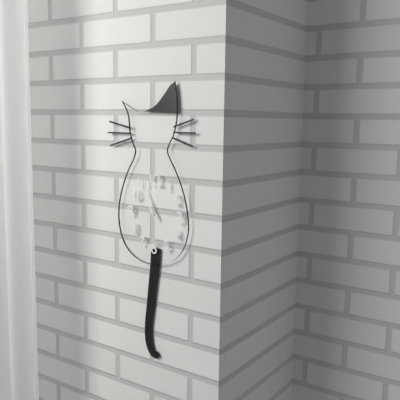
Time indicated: **10:55**
